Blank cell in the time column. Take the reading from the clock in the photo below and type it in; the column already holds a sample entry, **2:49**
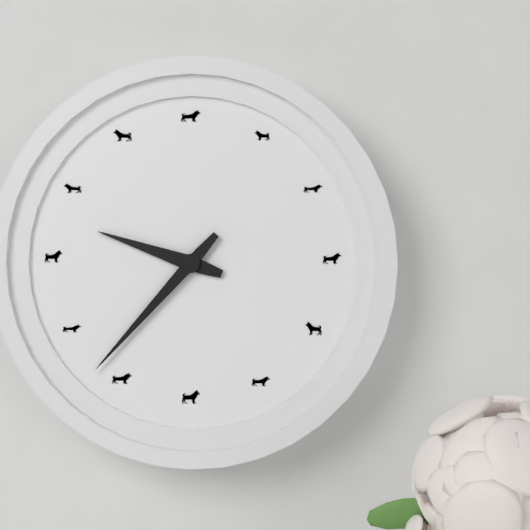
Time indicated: **9:37**
